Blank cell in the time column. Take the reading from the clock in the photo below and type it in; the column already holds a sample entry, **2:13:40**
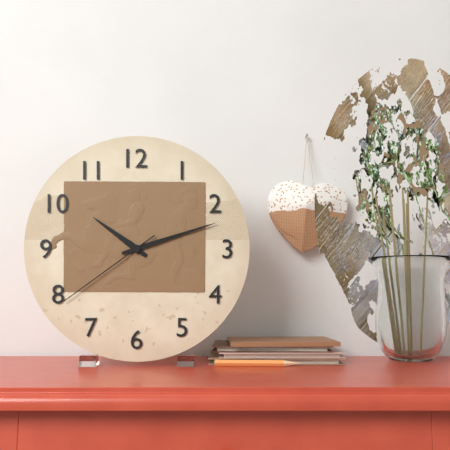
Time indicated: **10:12:39**
